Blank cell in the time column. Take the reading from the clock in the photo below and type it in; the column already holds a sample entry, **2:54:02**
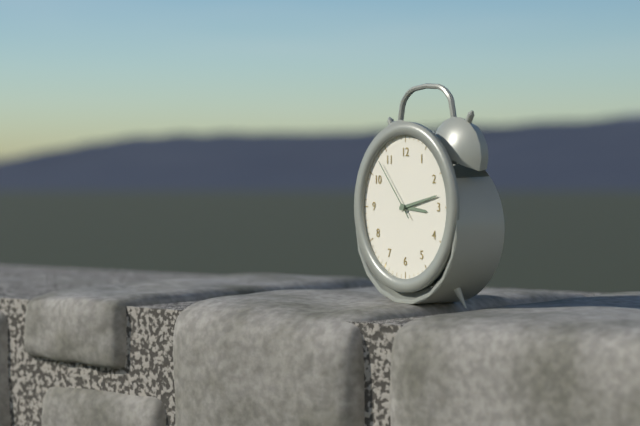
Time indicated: **3:13:53**
